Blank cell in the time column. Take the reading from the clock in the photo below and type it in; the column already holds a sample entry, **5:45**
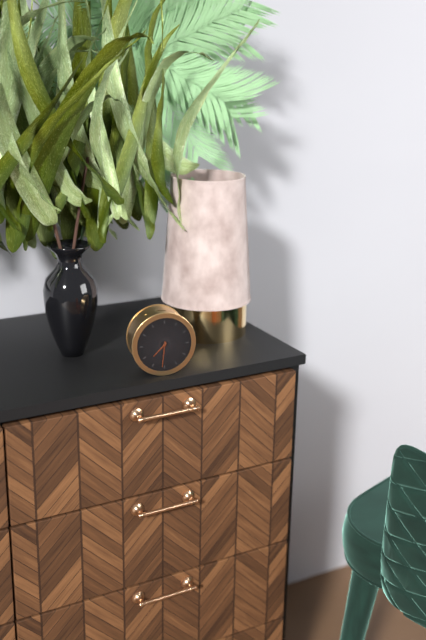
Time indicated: **7:31**
